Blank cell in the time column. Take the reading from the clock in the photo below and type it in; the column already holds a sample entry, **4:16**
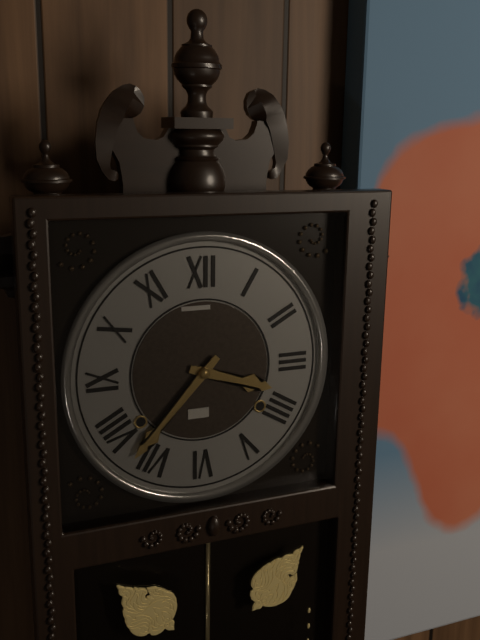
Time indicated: **3:37**
